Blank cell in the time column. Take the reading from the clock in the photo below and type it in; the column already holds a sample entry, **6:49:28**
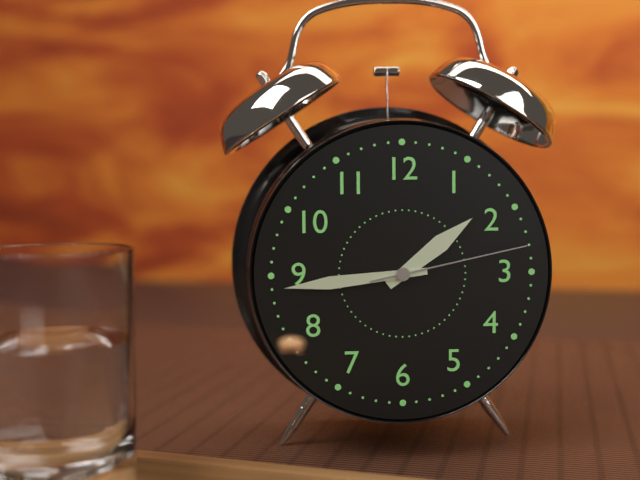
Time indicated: **1:44:13**
